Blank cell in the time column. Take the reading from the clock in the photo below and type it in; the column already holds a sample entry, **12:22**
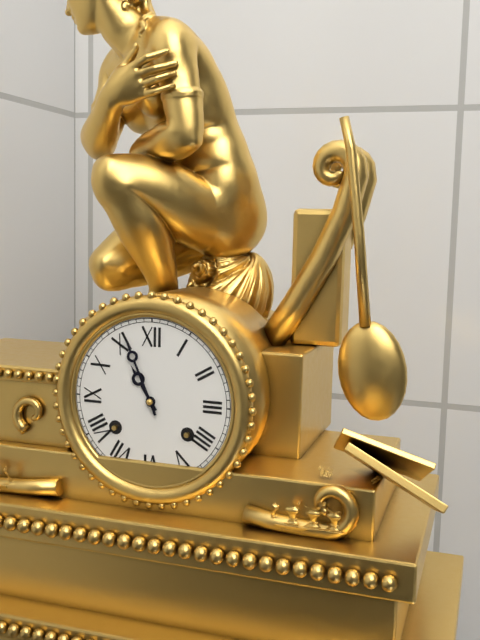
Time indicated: **10:56**
